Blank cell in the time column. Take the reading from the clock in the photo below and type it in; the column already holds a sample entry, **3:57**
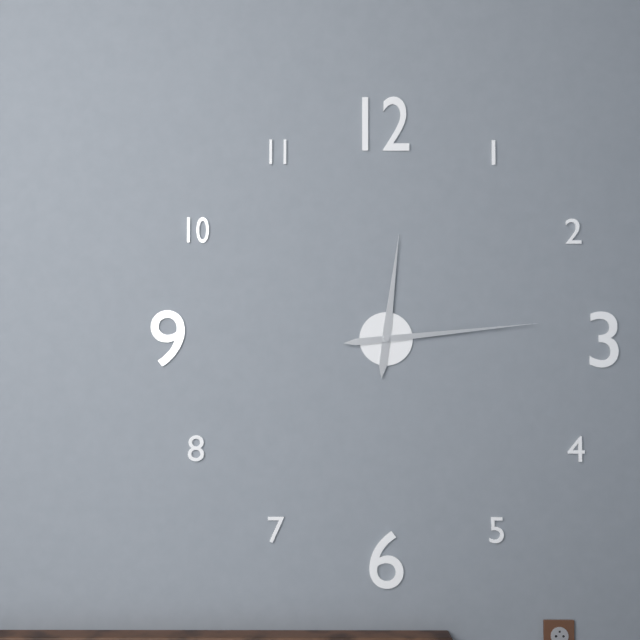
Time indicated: **12:14**
